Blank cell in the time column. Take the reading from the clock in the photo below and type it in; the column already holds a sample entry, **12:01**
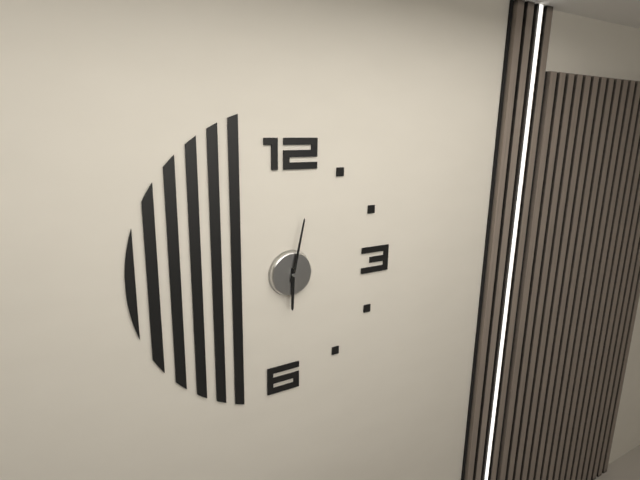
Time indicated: **6:02**
